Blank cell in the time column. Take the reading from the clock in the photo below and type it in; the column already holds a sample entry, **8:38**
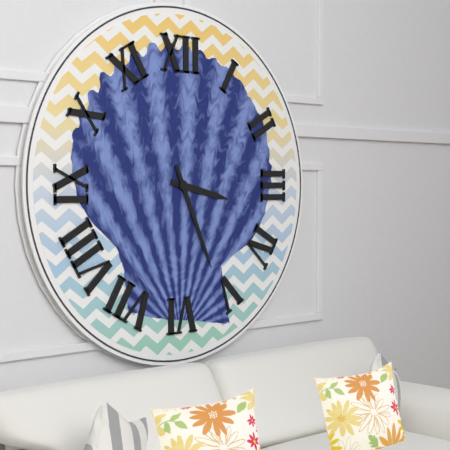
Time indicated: **3:26**
